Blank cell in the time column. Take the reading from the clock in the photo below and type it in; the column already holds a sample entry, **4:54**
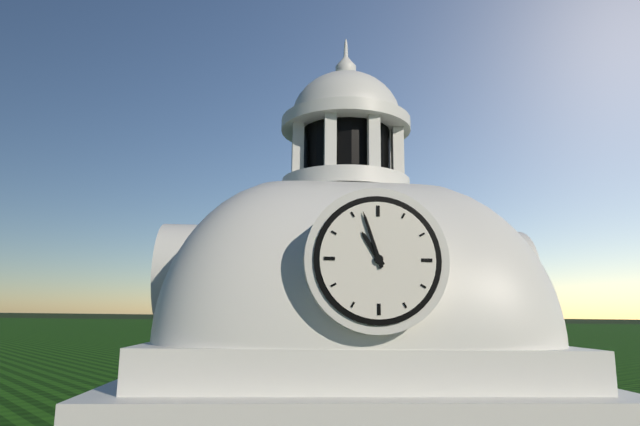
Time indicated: **10:57**
